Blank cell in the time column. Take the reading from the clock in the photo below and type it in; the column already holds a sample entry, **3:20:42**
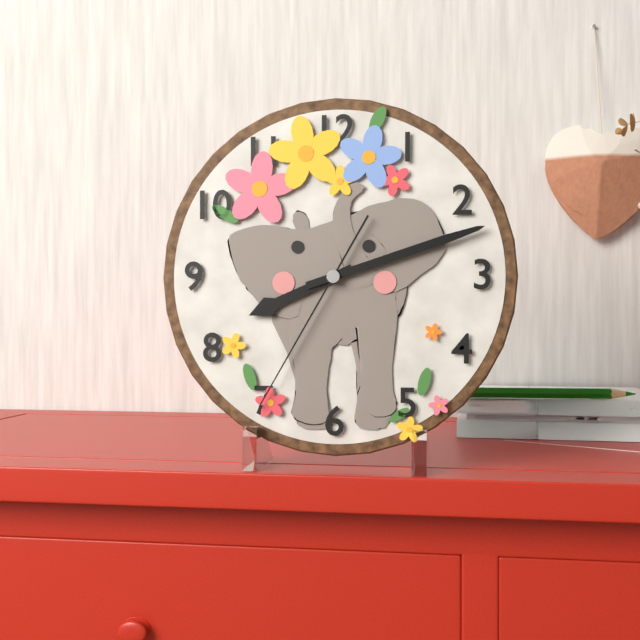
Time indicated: **8:12:35**
